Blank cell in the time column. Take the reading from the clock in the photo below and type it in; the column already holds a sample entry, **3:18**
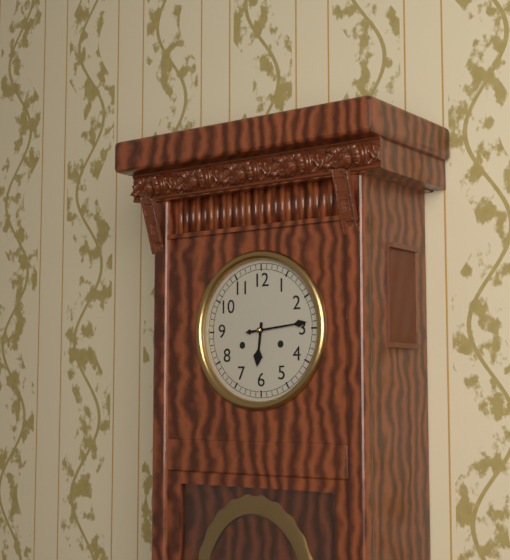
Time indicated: **6:14**
